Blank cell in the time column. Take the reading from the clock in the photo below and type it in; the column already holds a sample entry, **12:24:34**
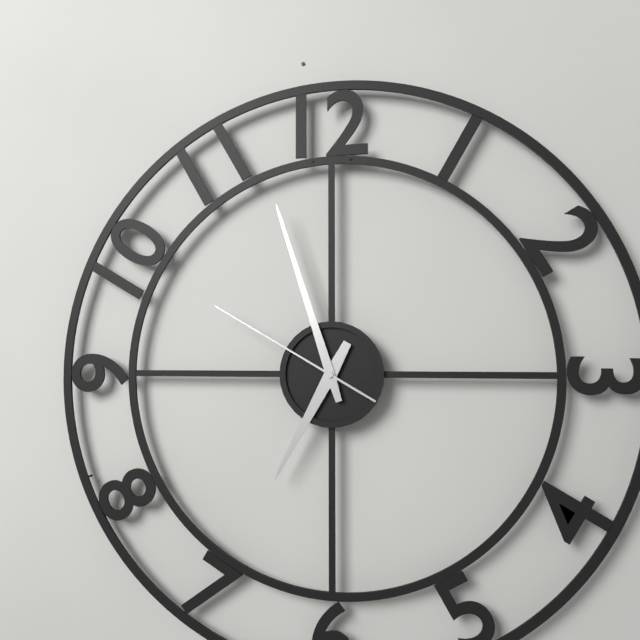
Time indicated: **6:57:50**
